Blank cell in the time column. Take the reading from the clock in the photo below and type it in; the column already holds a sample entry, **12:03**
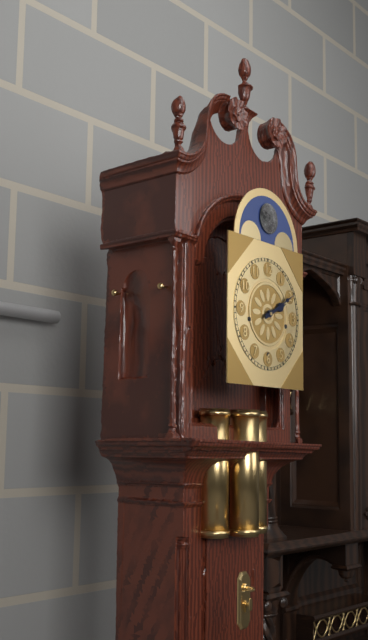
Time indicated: **2:10**
